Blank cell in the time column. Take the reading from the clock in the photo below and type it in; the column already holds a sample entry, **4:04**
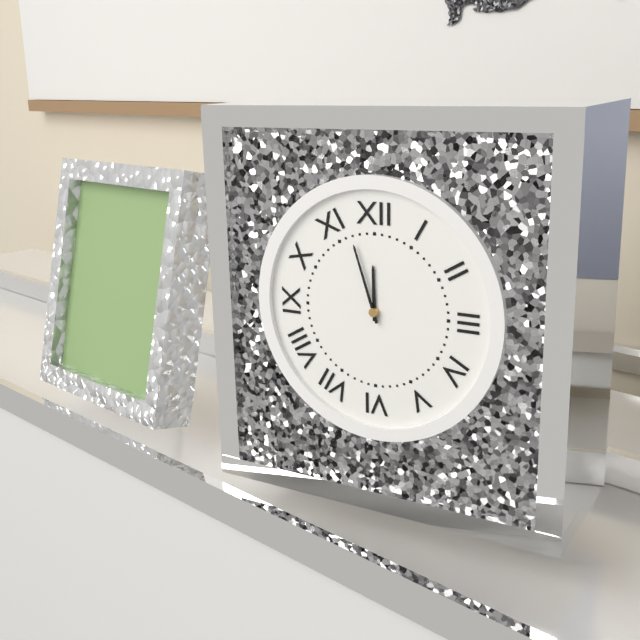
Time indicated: **11:57**
